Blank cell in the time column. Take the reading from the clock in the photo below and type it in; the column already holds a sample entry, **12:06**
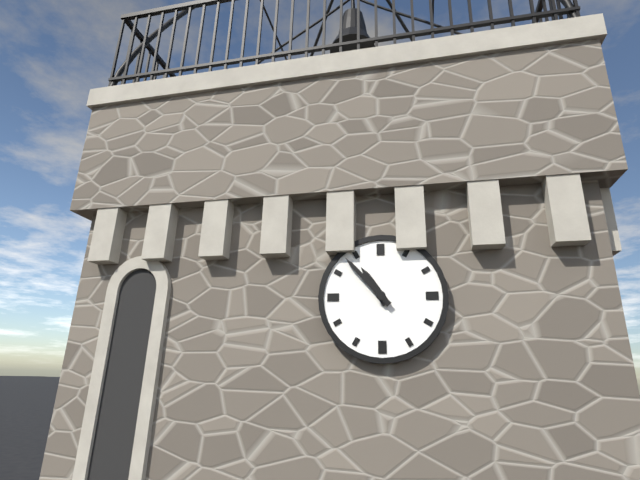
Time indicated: **10:53**
